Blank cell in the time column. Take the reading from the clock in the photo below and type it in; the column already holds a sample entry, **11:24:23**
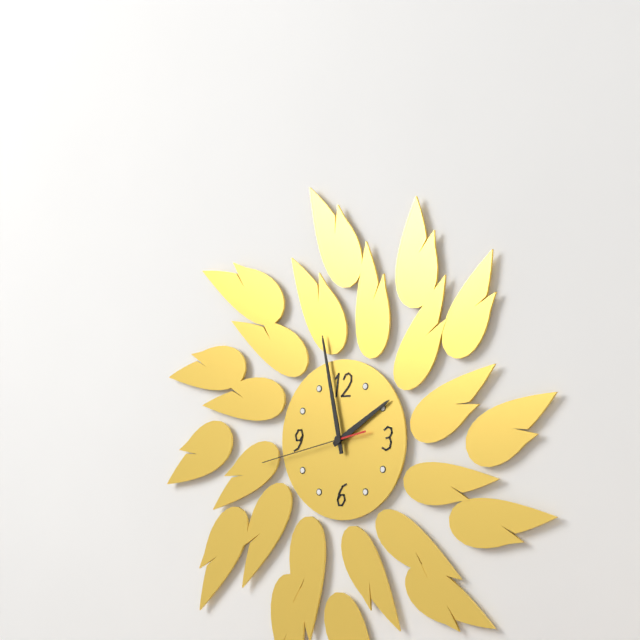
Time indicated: **1:58:43**
